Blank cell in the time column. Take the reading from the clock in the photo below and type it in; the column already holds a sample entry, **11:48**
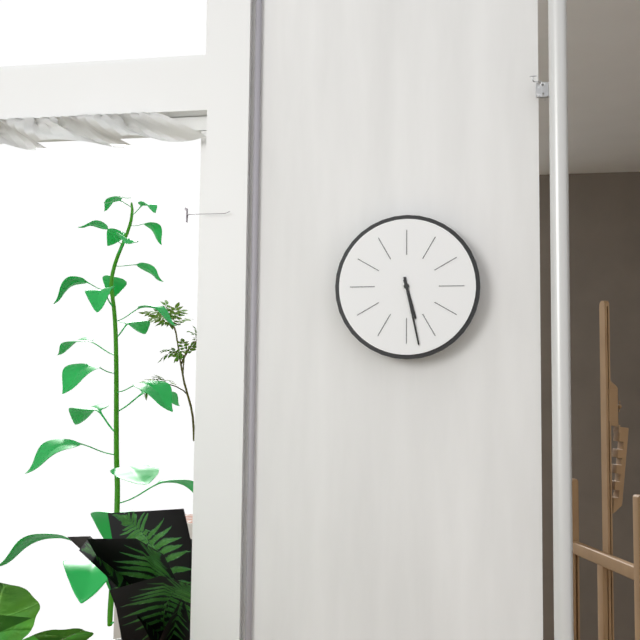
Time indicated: **5:28**
